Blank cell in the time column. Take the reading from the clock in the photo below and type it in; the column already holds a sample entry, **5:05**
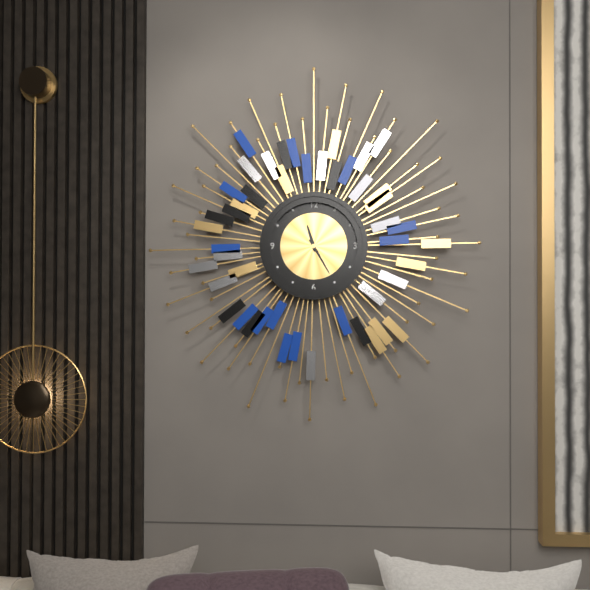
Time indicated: **11:25**
